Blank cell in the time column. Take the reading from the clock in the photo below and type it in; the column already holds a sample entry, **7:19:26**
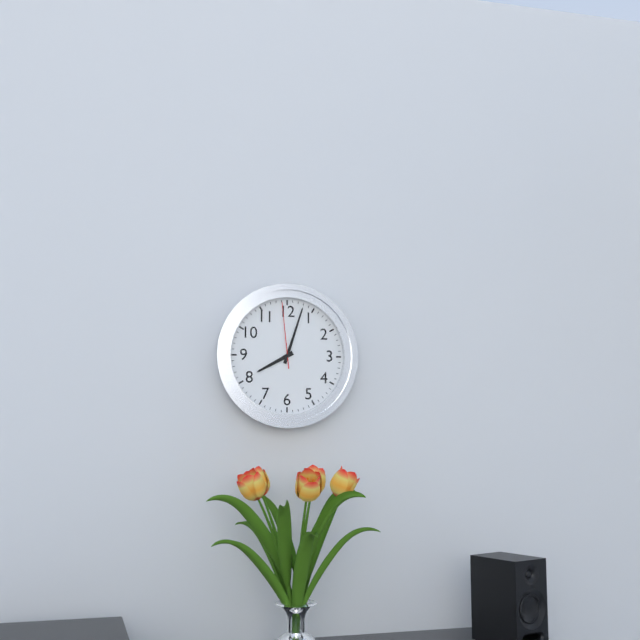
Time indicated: **8:03:59**
